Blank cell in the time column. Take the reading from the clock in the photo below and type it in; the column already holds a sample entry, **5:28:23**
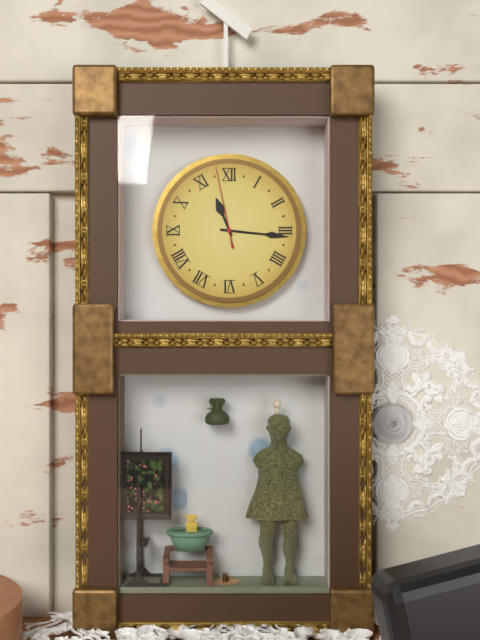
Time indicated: **11:16:58**
